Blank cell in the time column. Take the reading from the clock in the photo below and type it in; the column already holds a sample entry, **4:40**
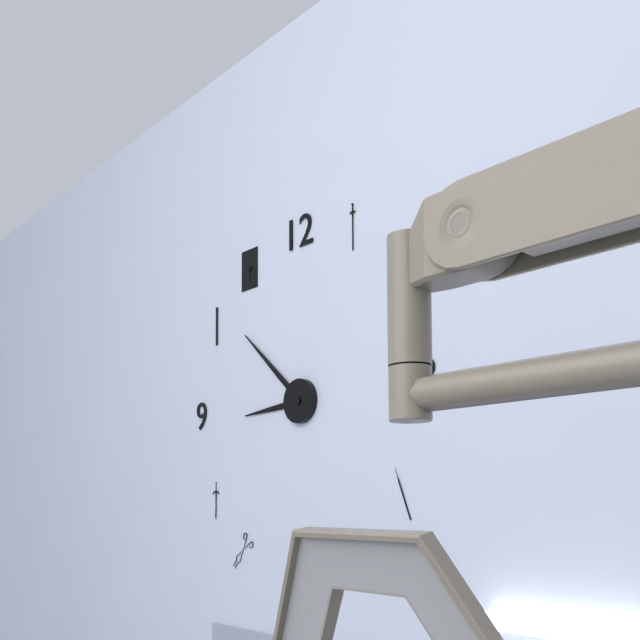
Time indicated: **8:52**
